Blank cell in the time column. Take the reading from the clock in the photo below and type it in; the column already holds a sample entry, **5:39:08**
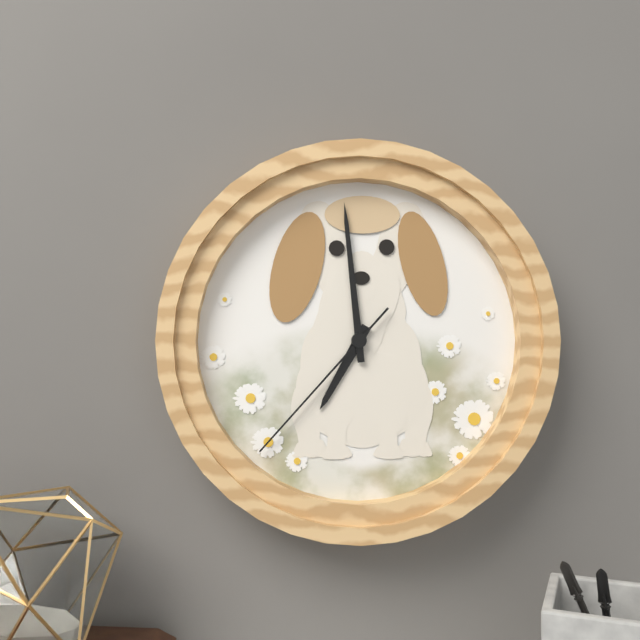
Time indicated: **6:59:37**
